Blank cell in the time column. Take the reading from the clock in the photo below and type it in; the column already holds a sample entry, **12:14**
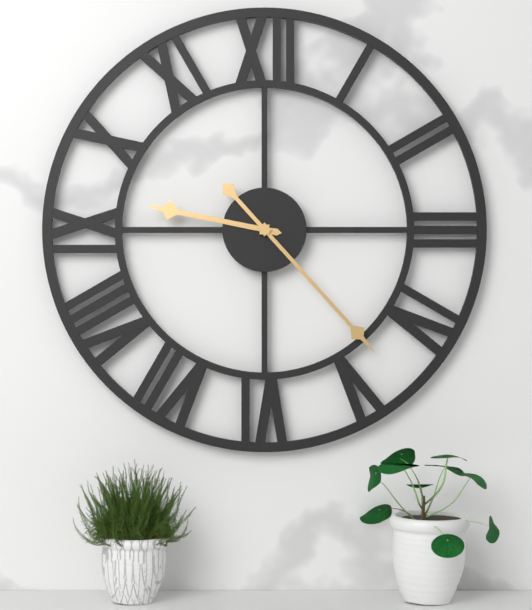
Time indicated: **9:23**
